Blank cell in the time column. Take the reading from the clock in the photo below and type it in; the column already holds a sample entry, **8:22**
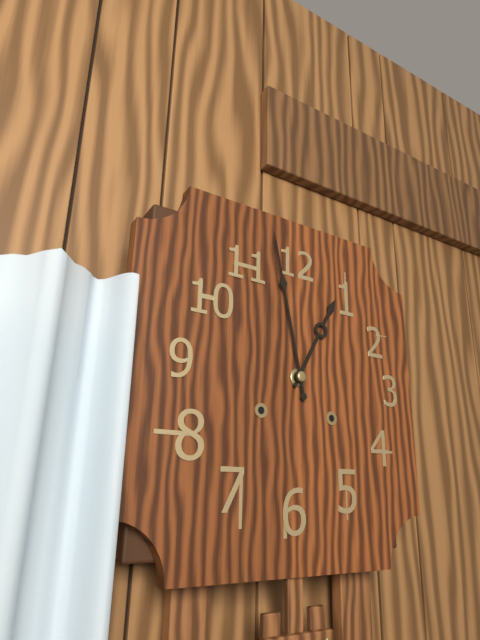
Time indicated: **12:58**
